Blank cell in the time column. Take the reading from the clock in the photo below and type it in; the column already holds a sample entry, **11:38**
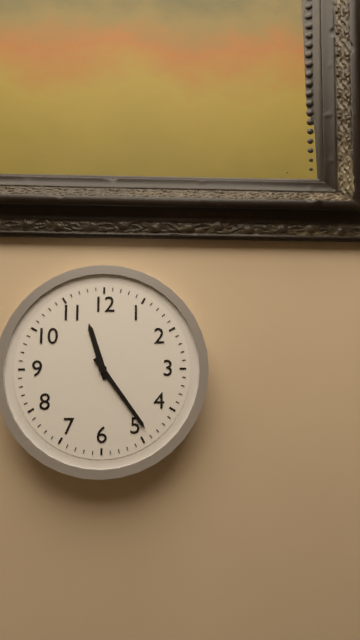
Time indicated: **11:24**
